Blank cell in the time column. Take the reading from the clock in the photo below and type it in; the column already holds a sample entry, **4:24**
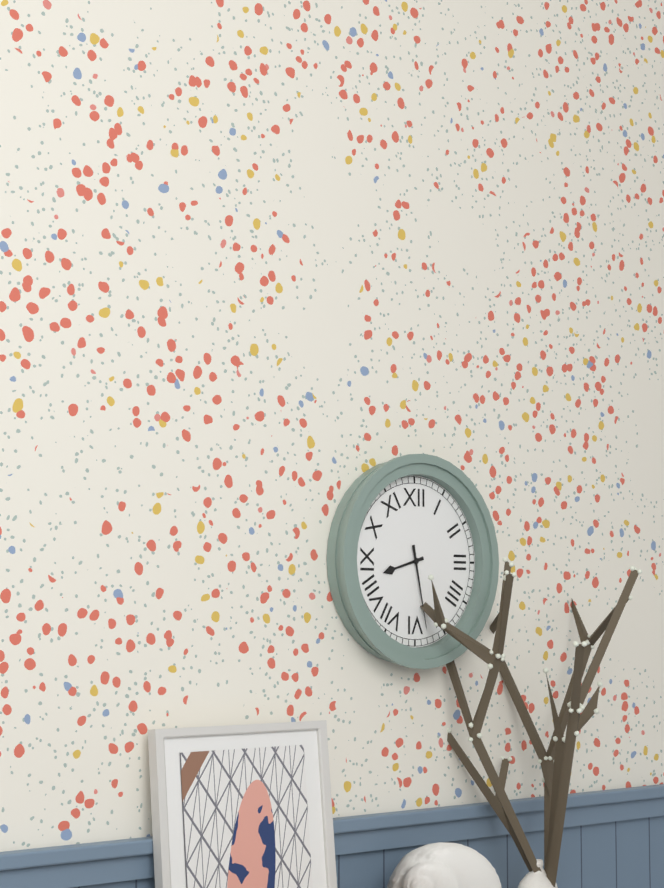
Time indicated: **8:28**
